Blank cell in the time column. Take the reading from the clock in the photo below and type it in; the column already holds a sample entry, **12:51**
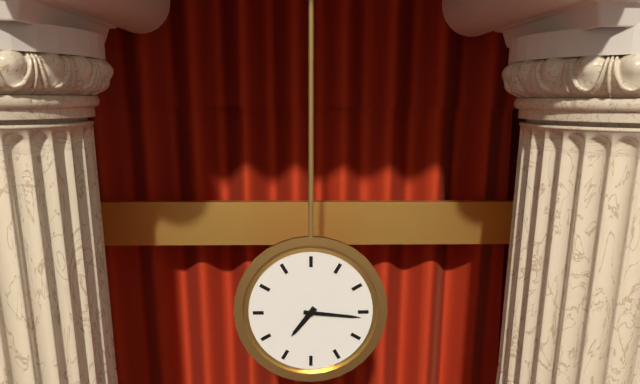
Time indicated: **7:16**
